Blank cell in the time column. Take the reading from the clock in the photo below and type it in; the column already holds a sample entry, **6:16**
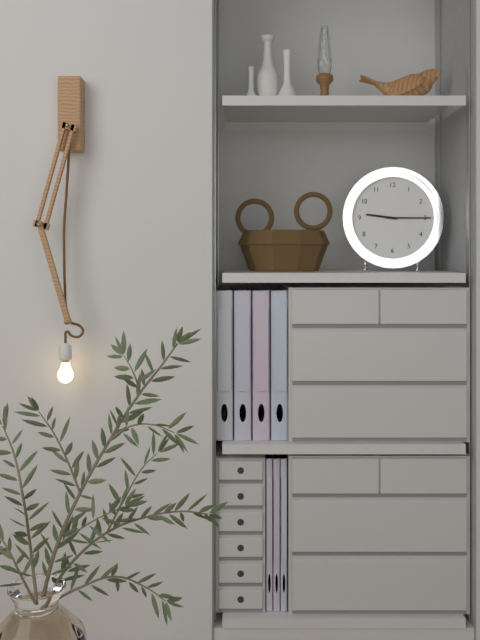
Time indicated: **9:15**
